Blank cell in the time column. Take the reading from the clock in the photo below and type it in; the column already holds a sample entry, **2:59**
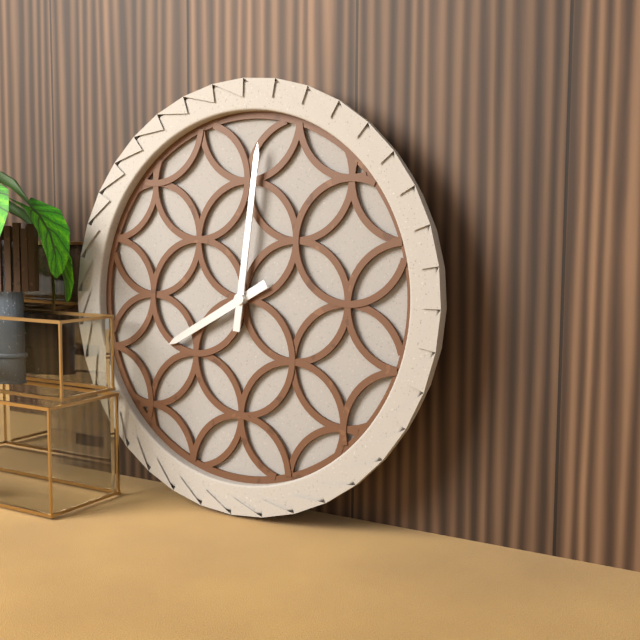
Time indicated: **8:01**
